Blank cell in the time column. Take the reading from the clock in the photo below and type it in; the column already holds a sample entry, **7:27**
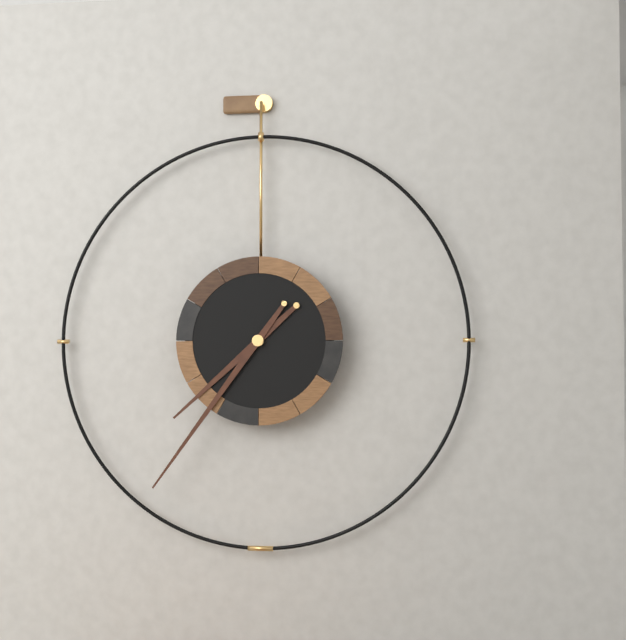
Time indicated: **7:36**
